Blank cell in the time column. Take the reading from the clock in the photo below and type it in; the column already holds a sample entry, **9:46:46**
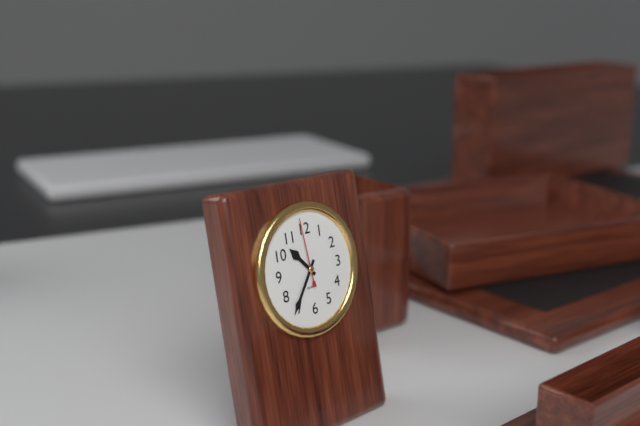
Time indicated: **10:36:59**
